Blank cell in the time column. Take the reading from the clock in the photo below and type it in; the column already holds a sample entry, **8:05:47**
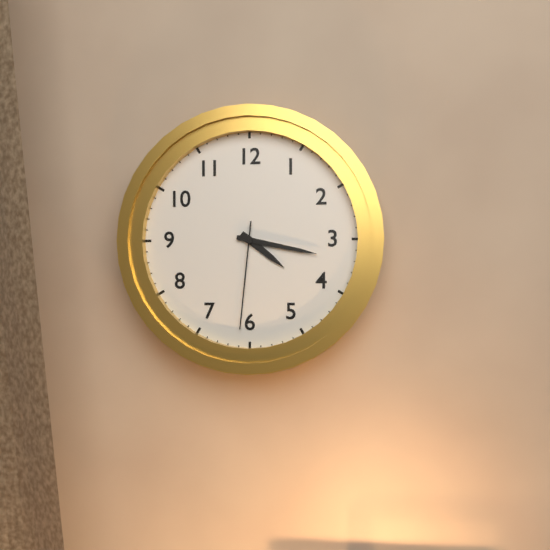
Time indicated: **4:17:31**
